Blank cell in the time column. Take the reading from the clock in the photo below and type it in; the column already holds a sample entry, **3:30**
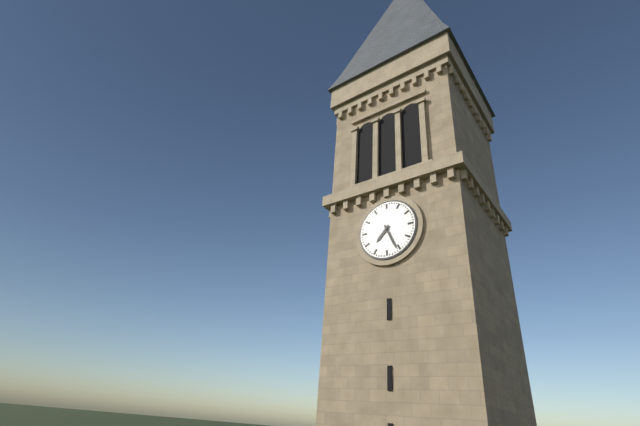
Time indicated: **7:26**
